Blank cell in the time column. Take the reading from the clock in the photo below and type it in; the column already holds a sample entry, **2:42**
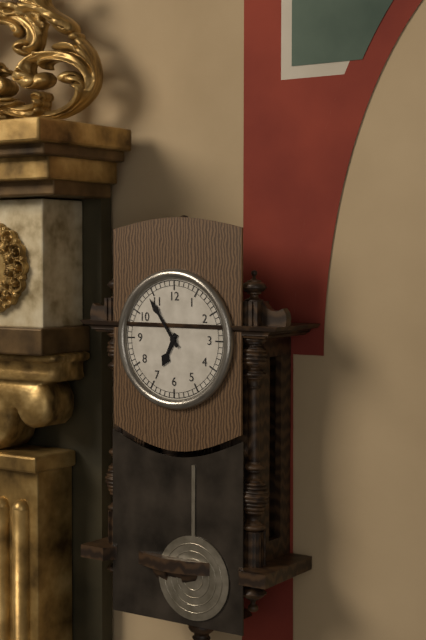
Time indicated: **6:54**
